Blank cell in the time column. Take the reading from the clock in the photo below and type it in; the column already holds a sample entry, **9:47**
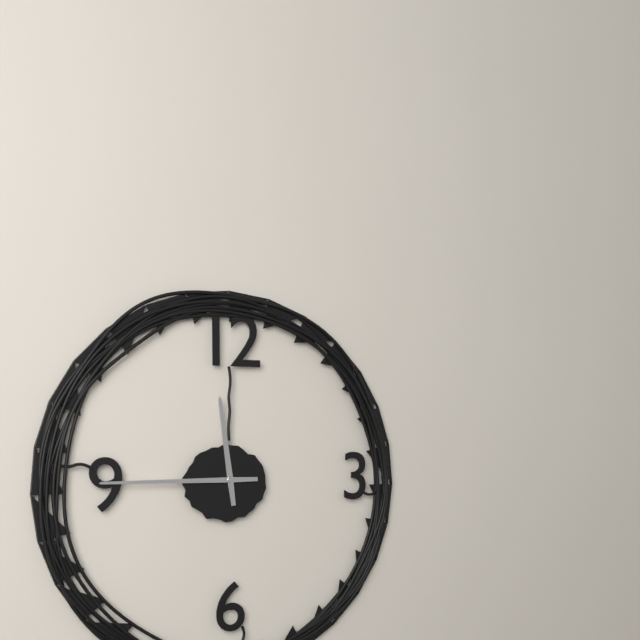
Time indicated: **11:45**
